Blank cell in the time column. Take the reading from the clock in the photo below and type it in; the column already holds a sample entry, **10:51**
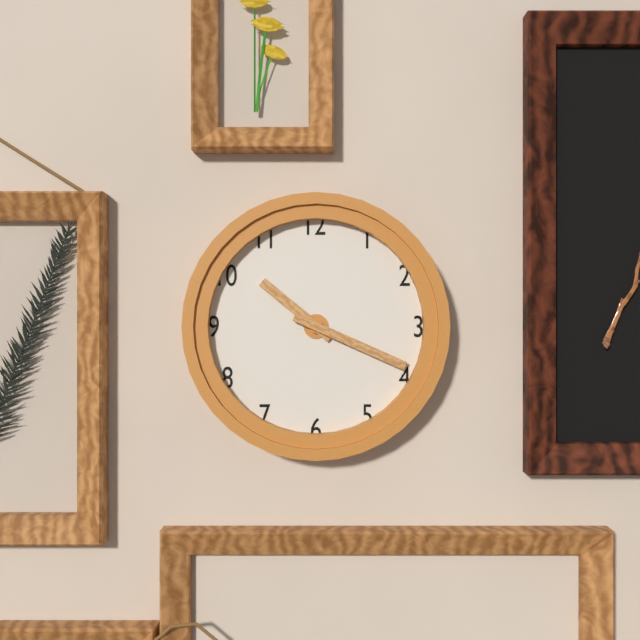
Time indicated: **10:19**
